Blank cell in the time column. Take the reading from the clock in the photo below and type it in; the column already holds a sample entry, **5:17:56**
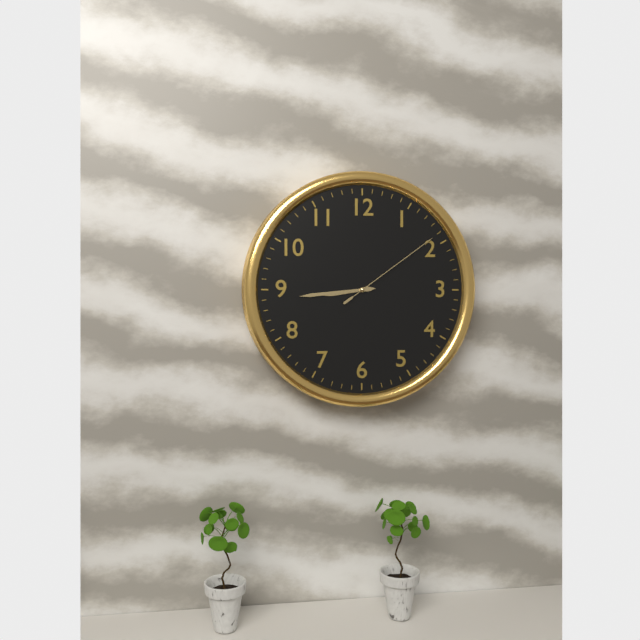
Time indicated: **8:44:09**
